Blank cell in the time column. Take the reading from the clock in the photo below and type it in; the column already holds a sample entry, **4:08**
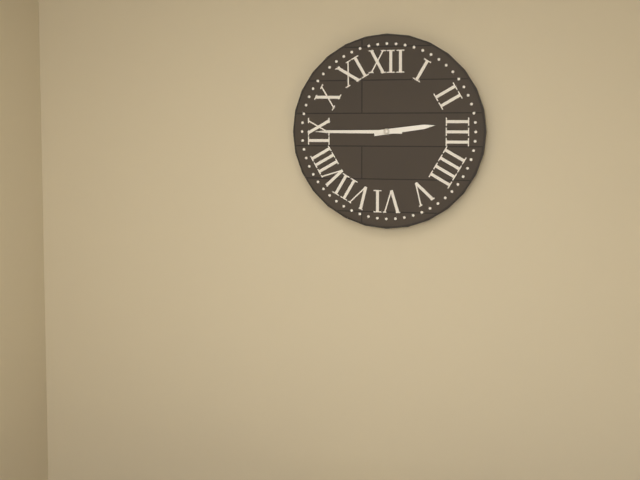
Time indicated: **2:45**
